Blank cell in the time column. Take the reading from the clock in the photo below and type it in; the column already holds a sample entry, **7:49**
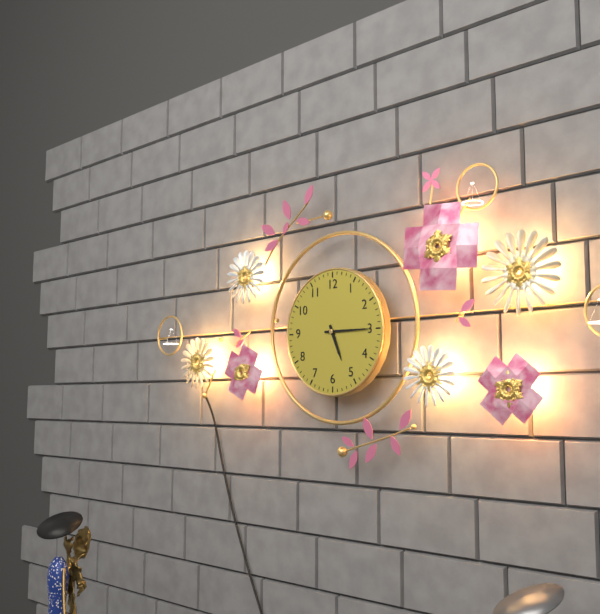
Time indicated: **5:15**
